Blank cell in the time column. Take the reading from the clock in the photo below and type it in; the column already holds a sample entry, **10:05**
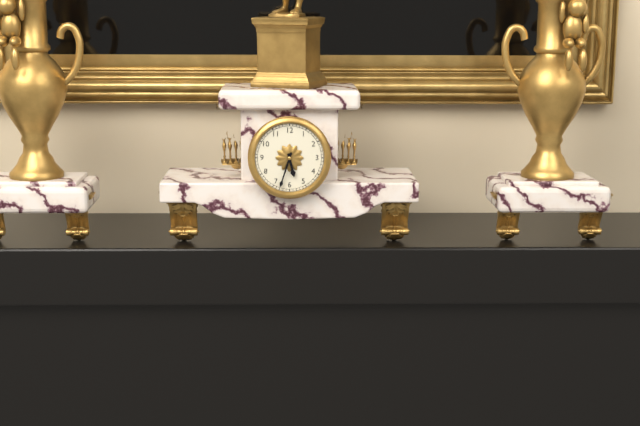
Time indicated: **5:33**
